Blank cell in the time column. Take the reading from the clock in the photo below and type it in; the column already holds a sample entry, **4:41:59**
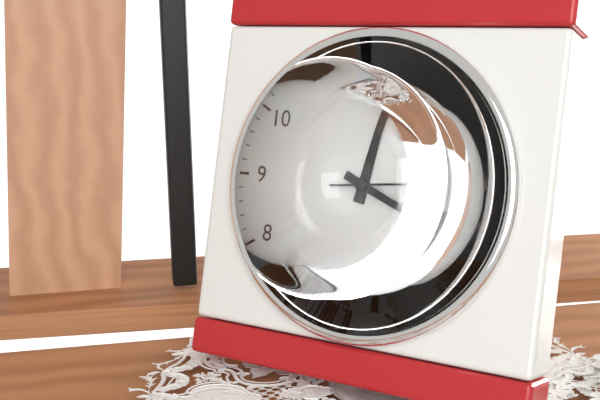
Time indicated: **12:19:14**
